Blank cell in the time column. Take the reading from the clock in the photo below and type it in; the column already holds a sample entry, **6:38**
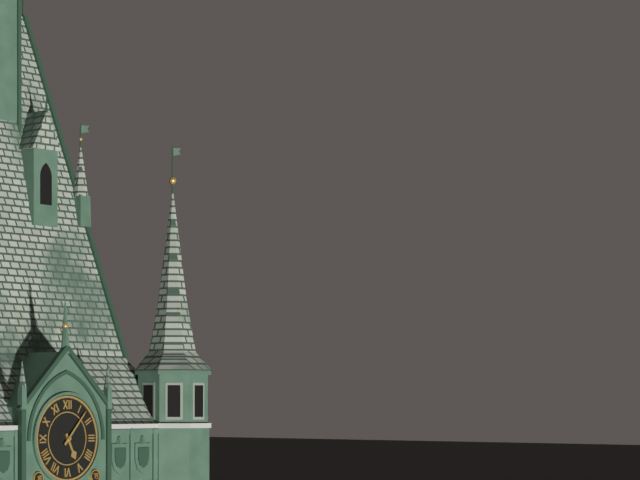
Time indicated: **5:07**
